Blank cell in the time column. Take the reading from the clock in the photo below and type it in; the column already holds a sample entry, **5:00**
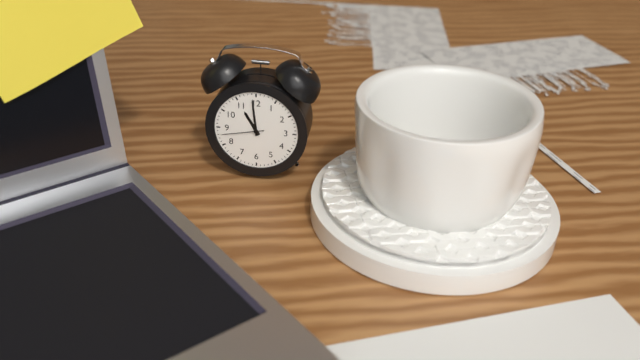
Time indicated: **10:59**
